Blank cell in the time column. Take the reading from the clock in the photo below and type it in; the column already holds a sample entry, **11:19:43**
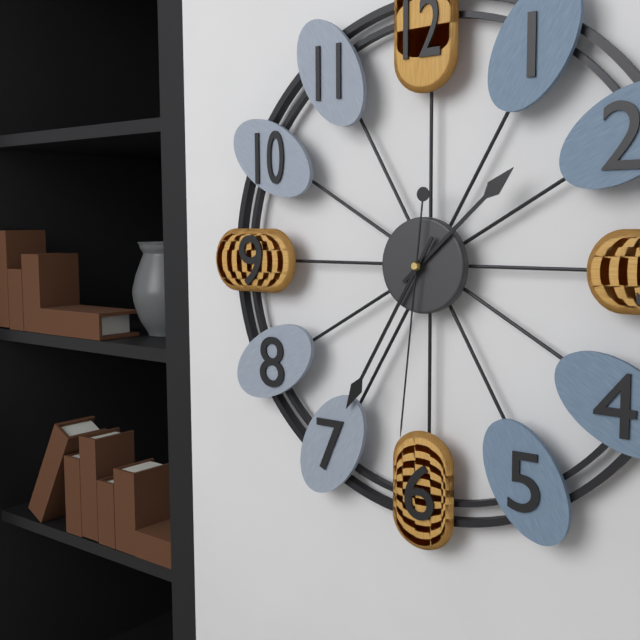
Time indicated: **1:35:31**
